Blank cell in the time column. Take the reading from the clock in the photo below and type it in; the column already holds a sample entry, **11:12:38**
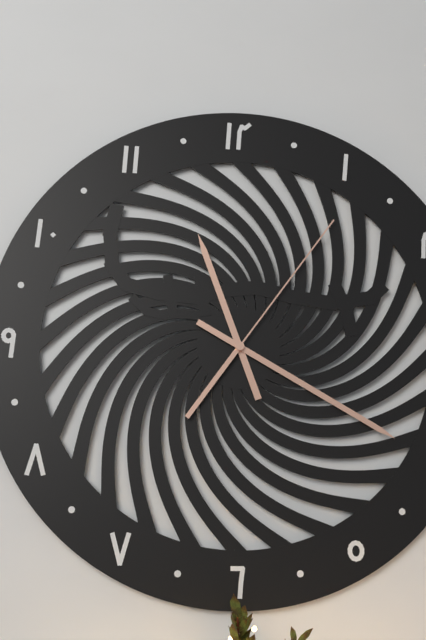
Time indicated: **11:20:06**
